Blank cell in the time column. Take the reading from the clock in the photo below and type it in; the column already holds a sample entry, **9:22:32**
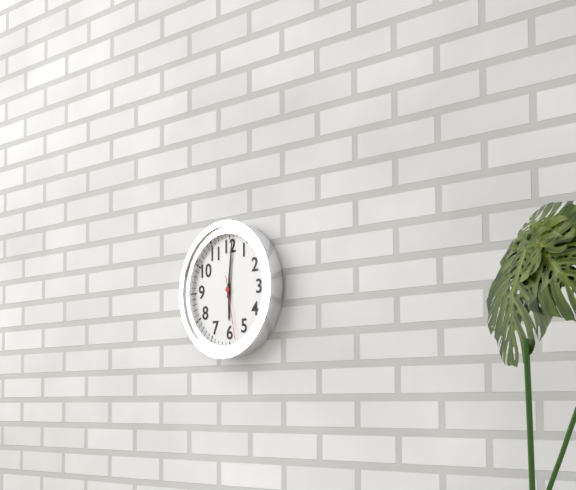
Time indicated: **6:01:28**
